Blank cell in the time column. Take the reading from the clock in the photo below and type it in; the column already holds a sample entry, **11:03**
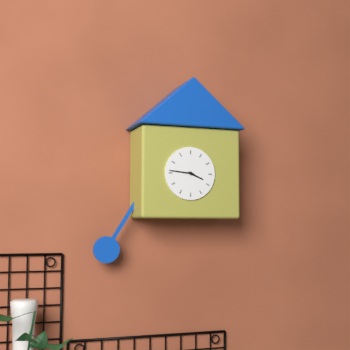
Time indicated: **3:46**
